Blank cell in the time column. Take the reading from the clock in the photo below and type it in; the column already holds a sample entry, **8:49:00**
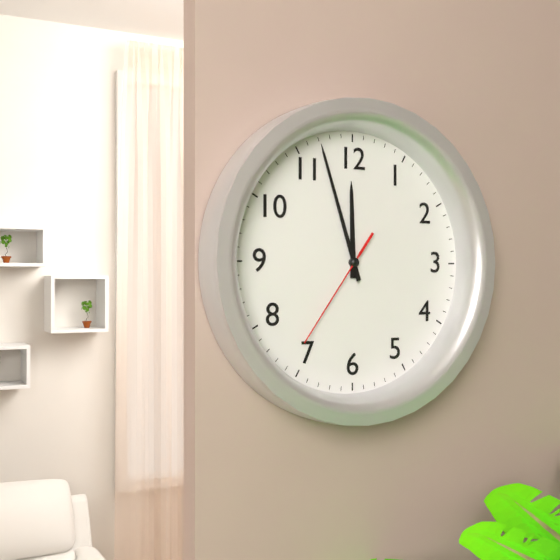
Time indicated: **11:57:36**
